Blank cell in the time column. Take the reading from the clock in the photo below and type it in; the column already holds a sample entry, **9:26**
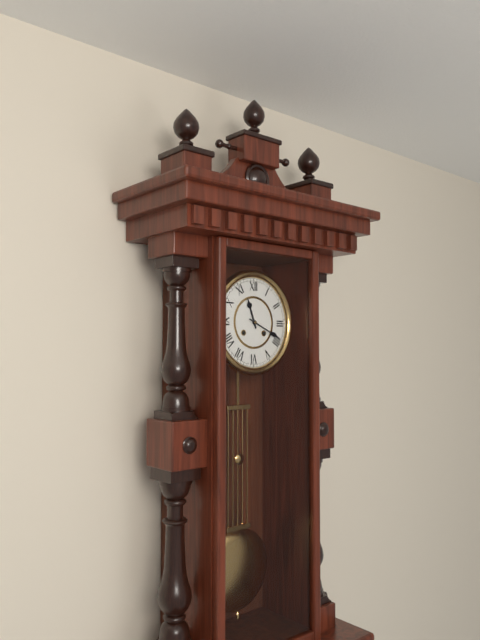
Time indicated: **11:19**
